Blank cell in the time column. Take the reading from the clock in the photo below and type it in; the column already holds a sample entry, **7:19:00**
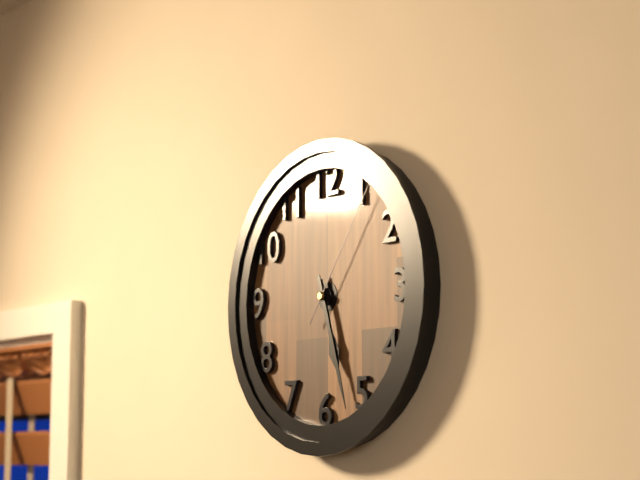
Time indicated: **5:27:06**
